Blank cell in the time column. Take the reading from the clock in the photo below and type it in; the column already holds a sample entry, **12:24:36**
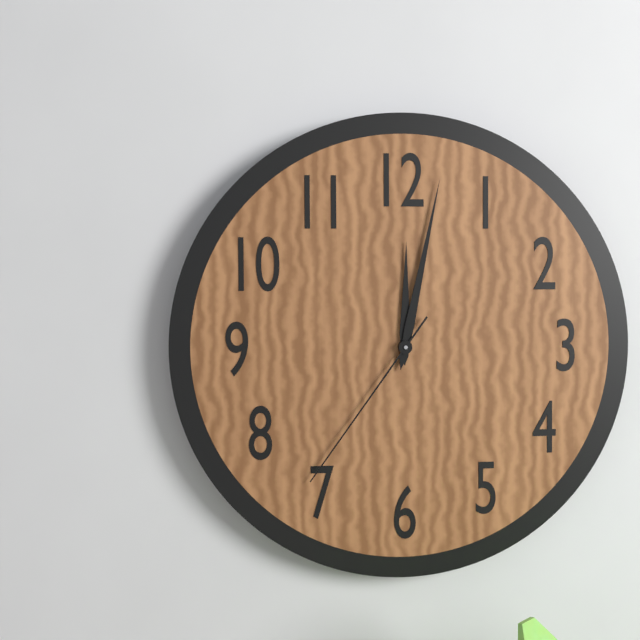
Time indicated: **12:02:36**
